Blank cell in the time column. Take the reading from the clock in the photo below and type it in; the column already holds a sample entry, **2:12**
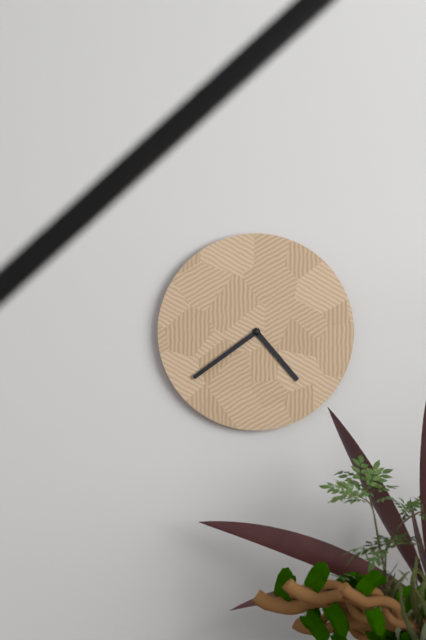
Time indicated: **4:39**
